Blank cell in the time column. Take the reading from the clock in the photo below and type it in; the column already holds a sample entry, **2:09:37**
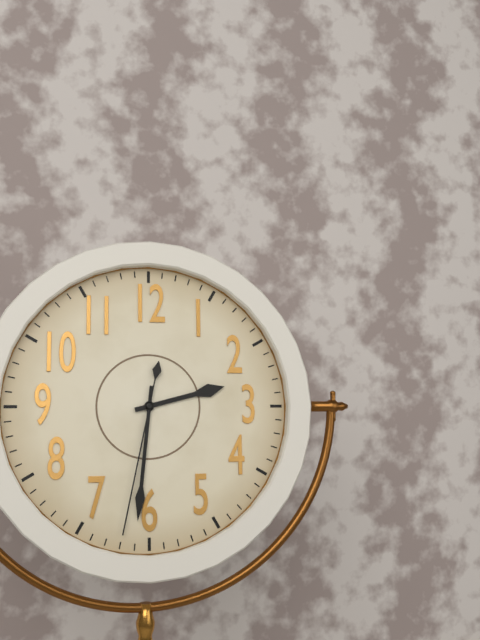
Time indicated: **2:31:32**
